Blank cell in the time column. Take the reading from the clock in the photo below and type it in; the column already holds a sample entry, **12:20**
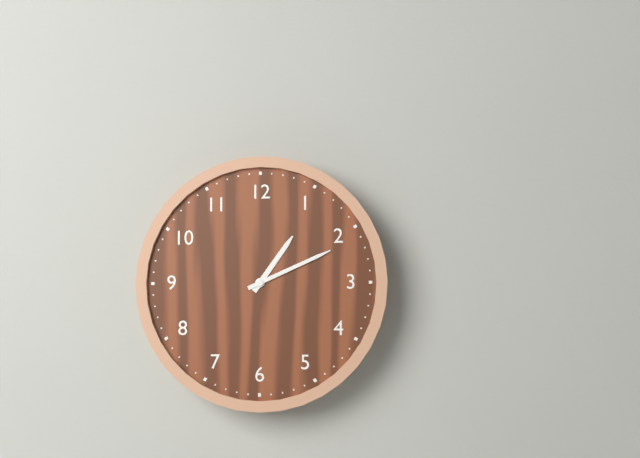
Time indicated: **1:11**
